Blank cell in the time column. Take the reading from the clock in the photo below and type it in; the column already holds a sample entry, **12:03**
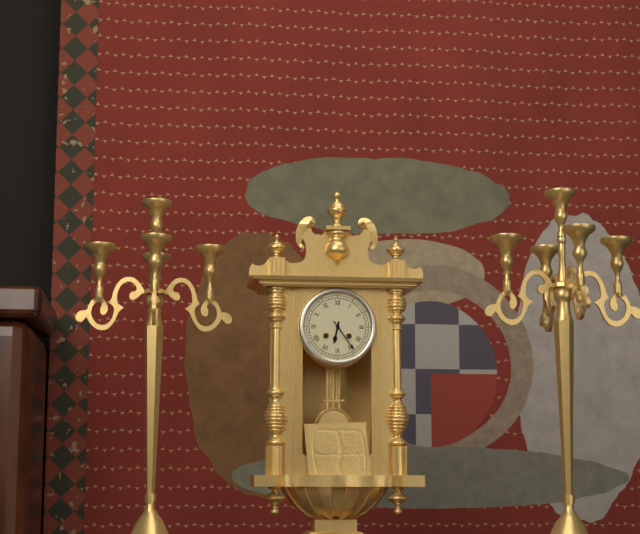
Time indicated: **6:24**
